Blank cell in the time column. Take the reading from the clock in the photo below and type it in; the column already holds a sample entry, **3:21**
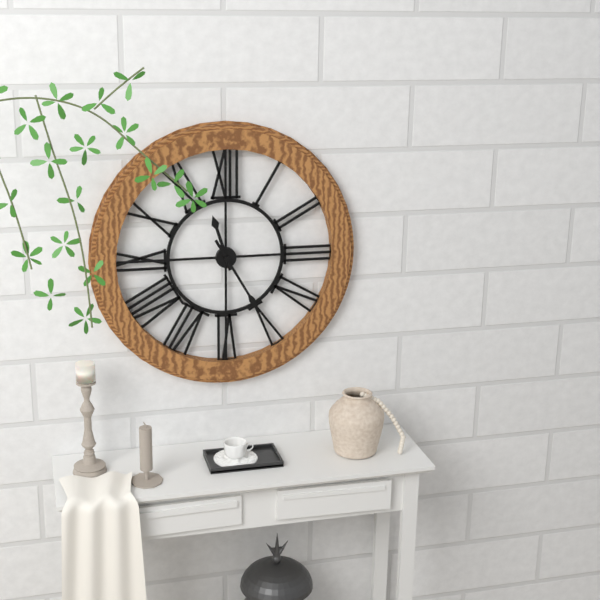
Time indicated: **11:25**
